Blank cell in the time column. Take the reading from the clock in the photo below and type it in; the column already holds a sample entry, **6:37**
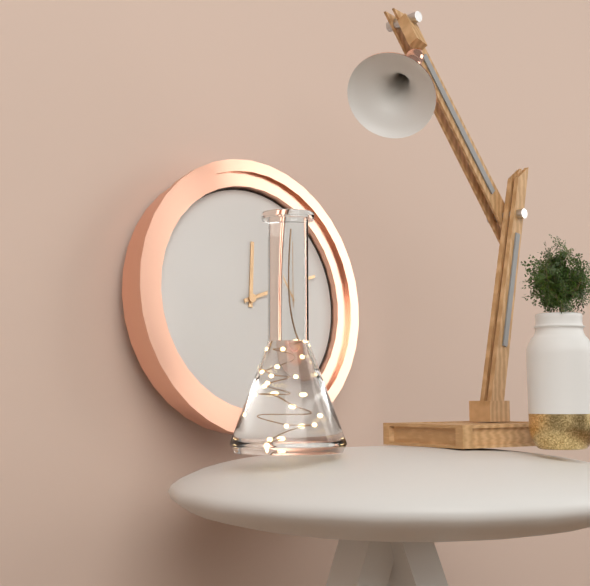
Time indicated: **12:12**
